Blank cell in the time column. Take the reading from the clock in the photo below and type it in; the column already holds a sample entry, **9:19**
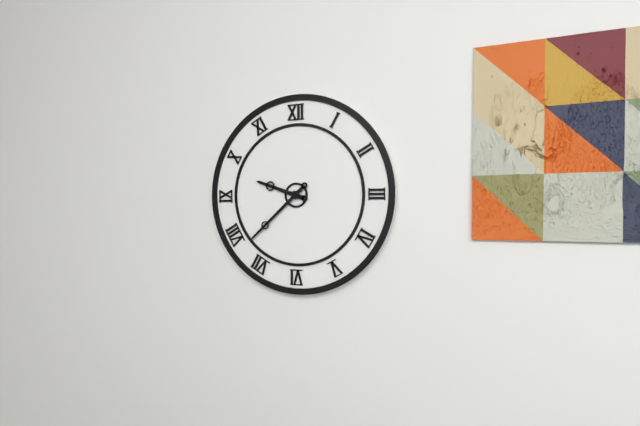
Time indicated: **9:38**
